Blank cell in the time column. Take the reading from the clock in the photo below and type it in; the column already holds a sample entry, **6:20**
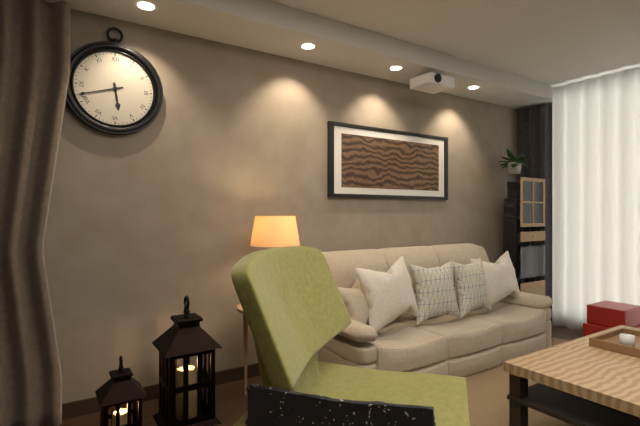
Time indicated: **5:42**
